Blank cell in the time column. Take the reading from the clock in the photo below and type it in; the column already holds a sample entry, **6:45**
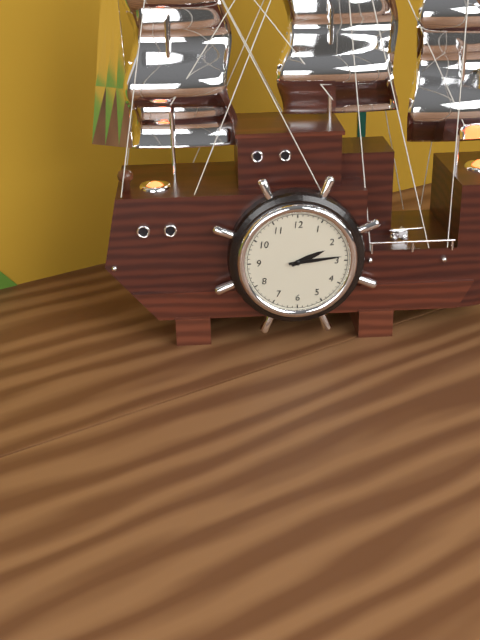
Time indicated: **2:14**
